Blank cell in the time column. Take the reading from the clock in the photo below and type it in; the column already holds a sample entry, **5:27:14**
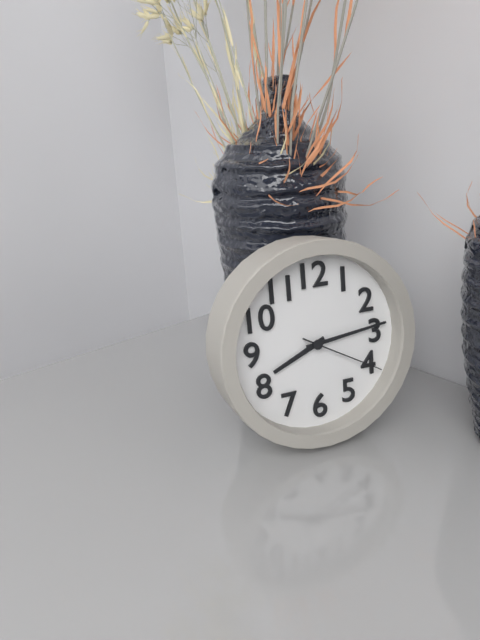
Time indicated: **8:14:20**
